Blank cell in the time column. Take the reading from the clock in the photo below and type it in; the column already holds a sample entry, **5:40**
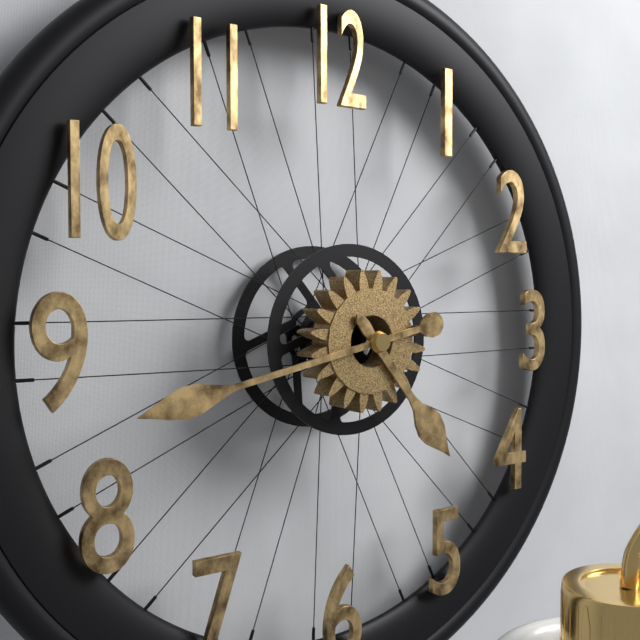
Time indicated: **4:43**
